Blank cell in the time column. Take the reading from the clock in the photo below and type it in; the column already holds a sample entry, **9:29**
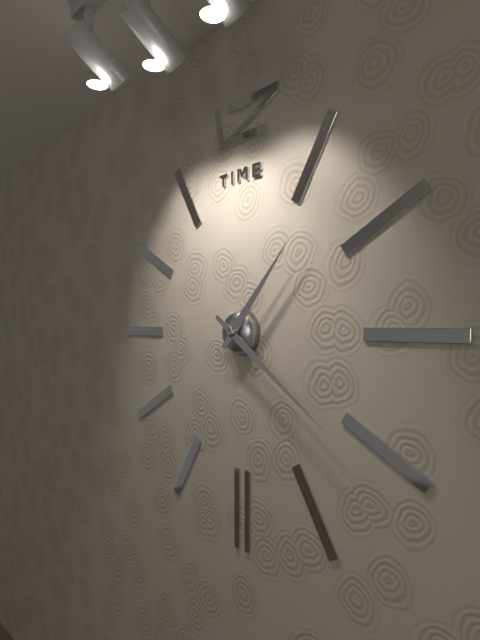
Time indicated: **1:21**
